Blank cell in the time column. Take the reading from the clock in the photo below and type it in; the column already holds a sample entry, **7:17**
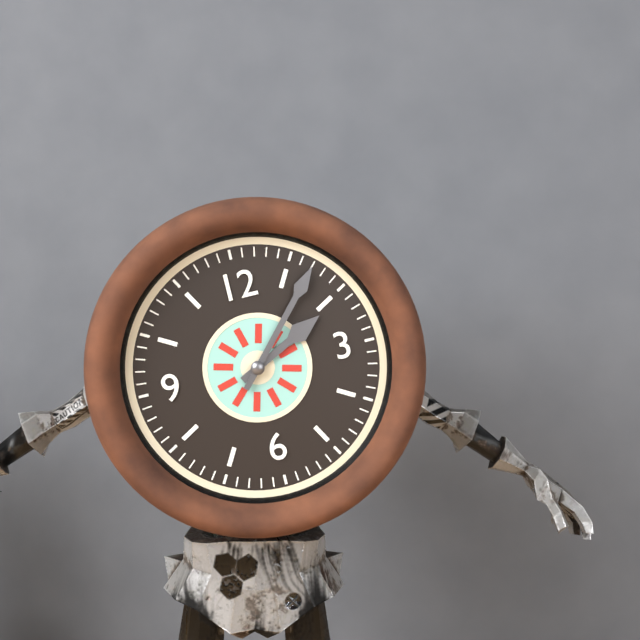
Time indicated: **2:07**
